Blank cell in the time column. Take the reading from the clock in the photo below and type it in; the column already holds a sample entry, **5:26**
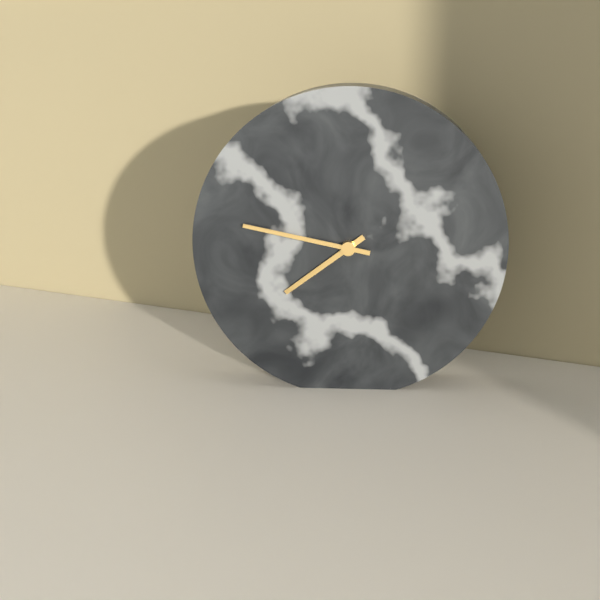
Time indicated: **7:47**
